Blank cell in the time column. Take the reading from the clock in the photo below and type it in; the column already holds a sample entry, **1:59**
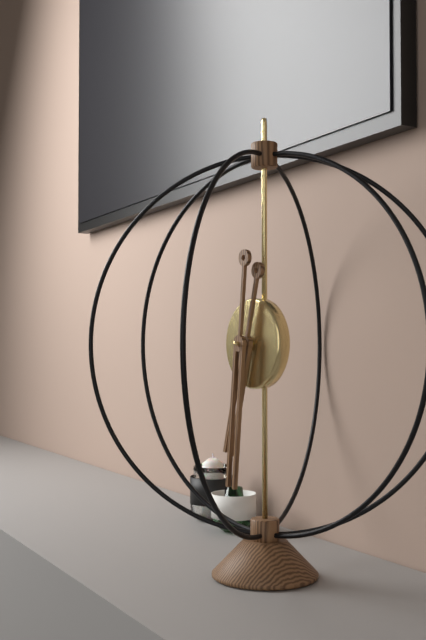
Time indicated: **6:31**
